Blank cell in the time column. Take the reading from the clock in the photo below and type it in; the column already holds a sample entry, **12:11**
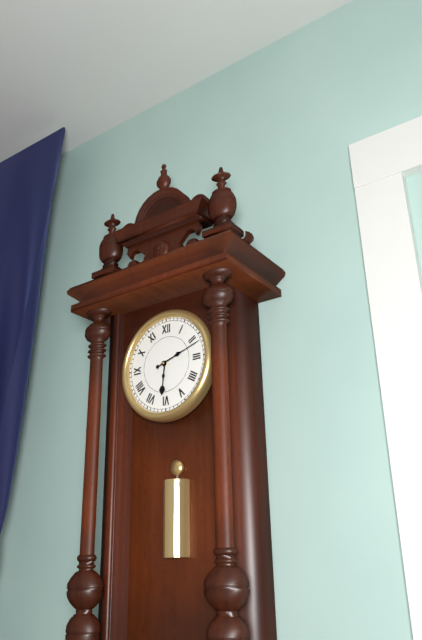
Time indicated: **6:12**
